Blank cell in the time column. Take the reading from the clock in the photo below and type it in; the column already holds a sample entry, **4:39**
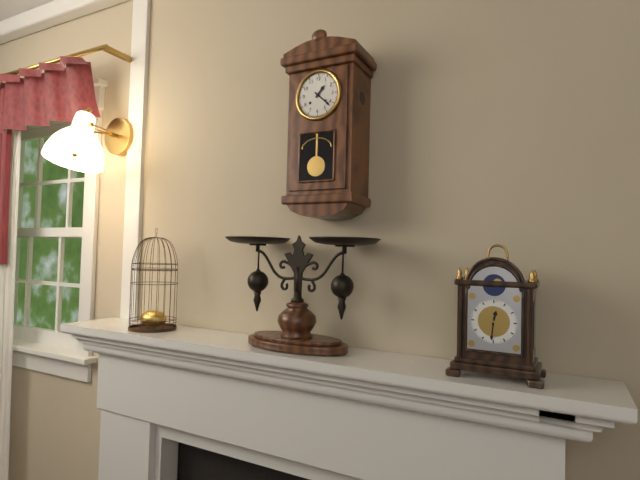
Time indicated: **1:22**
